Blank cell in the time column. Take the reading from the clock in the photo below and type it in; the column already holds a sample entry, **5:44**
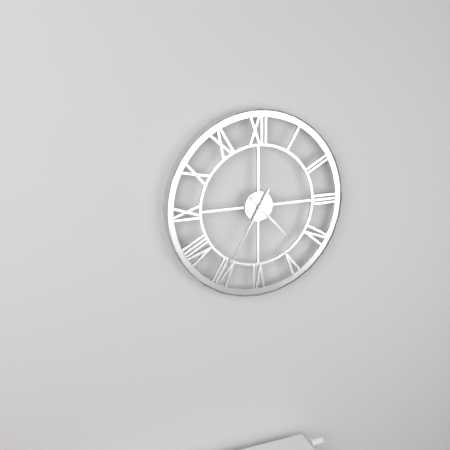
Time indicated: **4:35**
